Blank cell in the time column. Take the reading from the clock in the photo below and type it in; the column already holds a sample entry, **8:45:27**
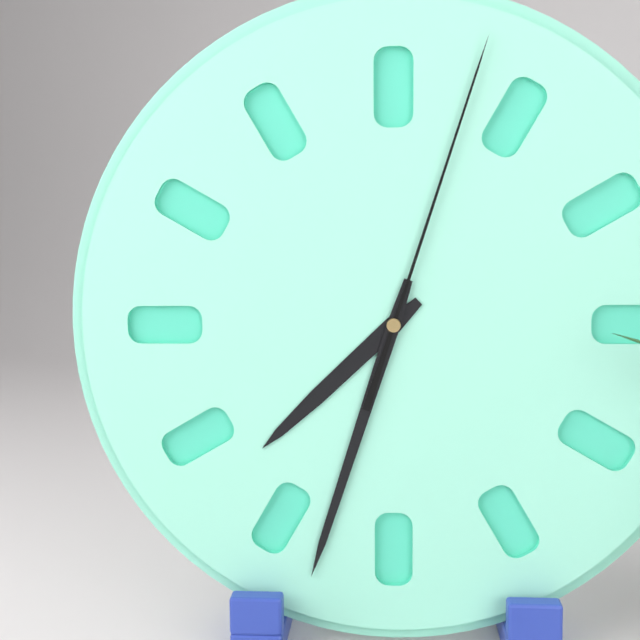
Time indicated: **7:33:03**
